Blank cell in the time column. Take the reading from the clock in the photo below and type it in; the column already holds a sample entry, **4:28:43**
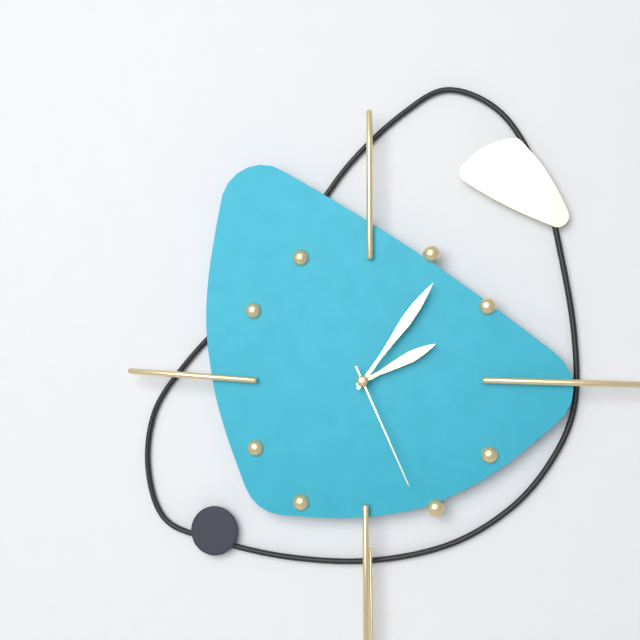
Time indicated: **2:06:26**
